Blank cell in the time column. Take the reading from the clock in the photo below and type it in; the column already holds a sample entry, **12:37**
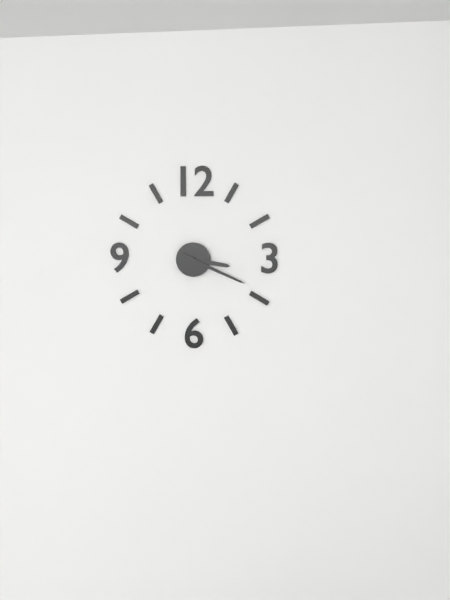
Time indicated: **3:19**
